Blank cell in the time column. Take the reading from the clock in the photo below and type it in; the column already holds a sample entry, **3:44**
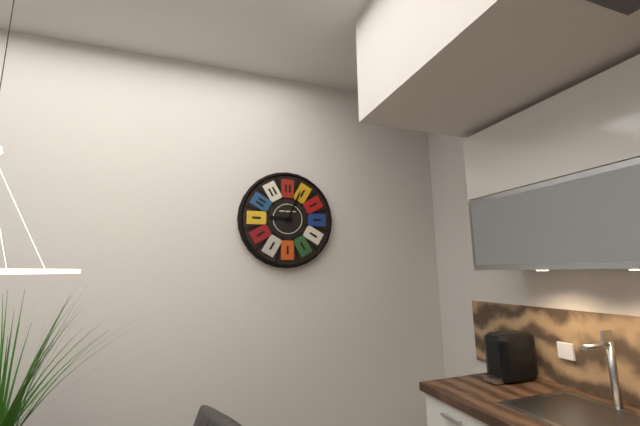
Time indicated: **9:04**
